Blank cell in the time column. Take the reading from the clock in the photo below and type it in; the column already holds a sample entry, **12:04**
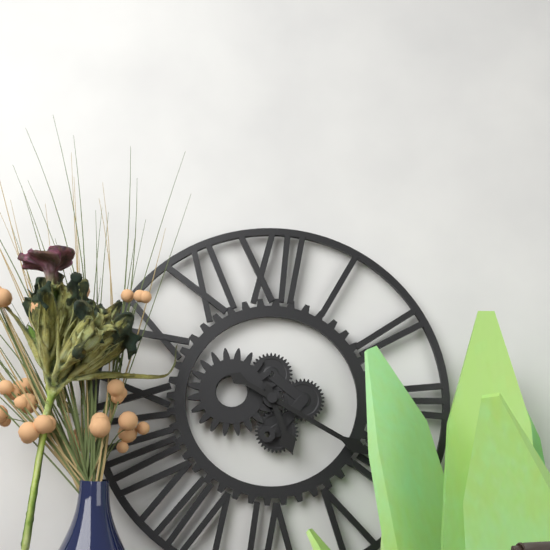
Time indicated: **5:20**
